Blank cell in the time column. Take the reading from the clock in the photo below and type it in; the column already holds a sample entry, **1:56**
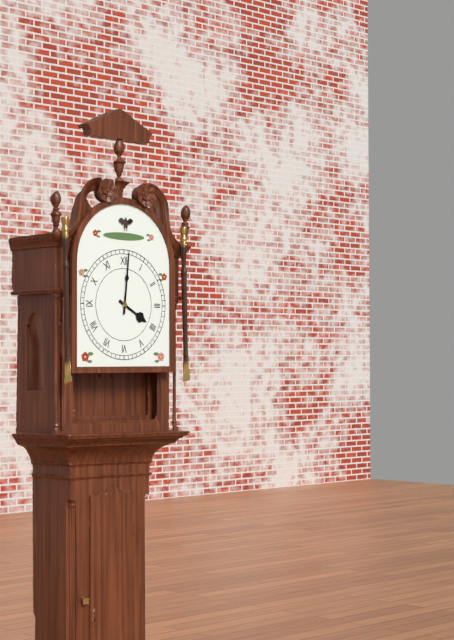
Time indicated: **4:01**
